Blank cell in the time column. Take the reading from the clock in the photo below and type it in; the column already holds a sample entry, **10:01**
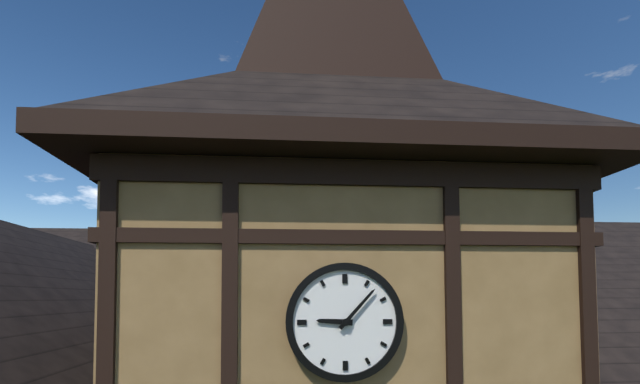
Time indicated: **9:07**
